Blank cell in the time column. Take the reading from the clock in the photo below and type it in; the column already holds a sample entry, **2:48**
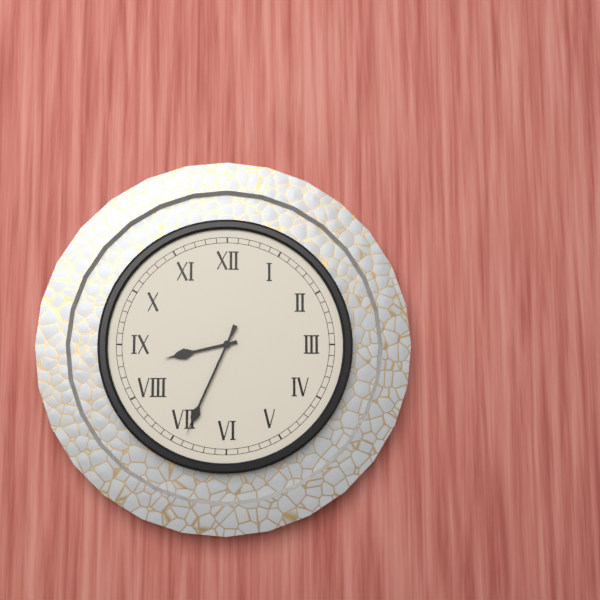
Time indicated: **8:34**
